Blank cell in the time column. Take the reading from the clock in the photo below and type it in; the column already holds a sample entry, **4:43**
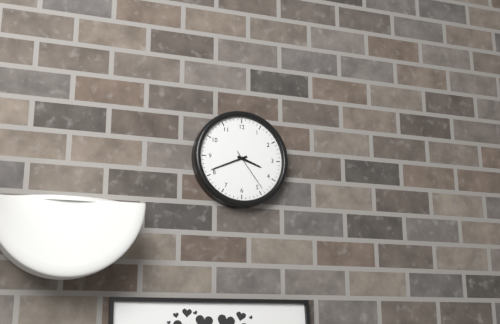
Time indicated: **3:41**
